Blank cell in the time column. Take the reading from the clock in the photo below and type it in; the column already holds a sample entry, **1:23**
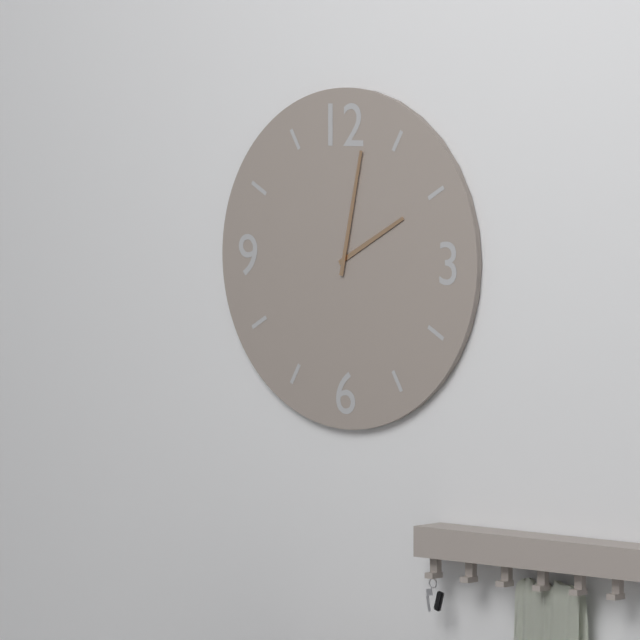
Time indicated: **2:02**
